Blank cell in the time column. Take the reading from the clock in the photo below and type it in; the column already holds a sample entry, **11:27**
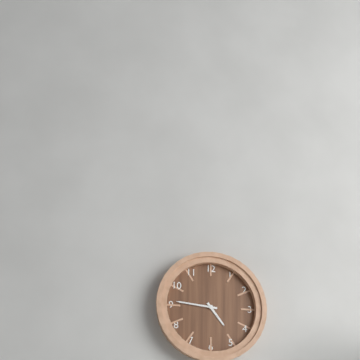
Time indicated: **4:46**
